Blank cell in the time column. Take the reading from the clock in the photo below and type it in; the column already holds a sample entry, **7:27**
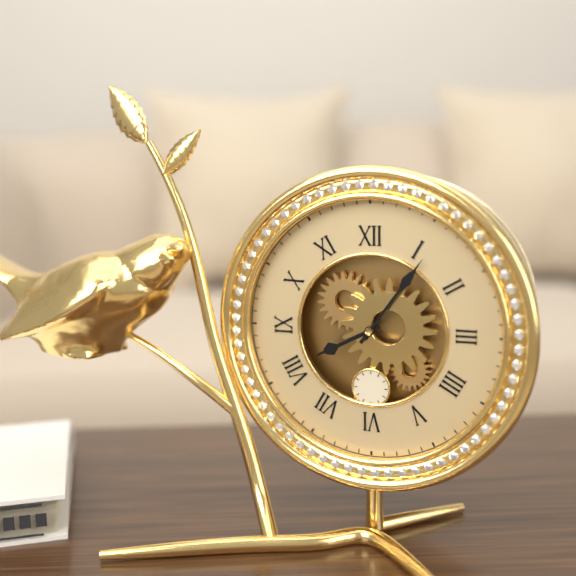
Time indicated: **8:06**
